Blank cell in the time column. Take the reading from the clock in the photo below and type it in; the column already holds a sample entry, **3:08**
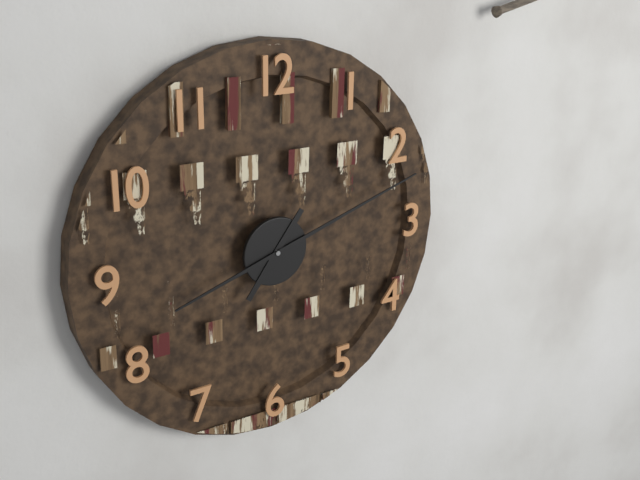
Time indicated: **7:12**
